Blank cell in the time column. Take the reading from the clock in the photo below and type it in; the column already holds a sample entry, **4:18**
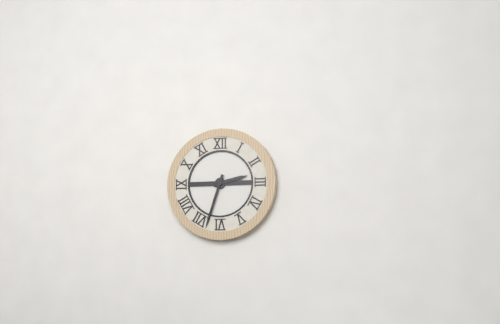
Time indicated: **2:33**
